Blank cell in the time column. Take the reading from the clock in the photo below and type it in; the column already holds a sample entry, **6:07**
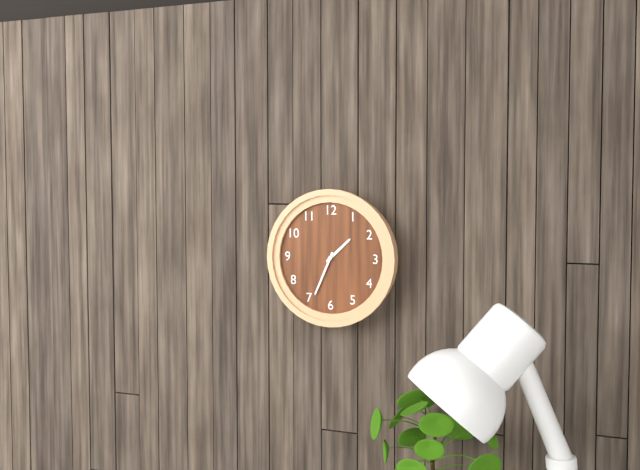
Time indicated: **1:34**
